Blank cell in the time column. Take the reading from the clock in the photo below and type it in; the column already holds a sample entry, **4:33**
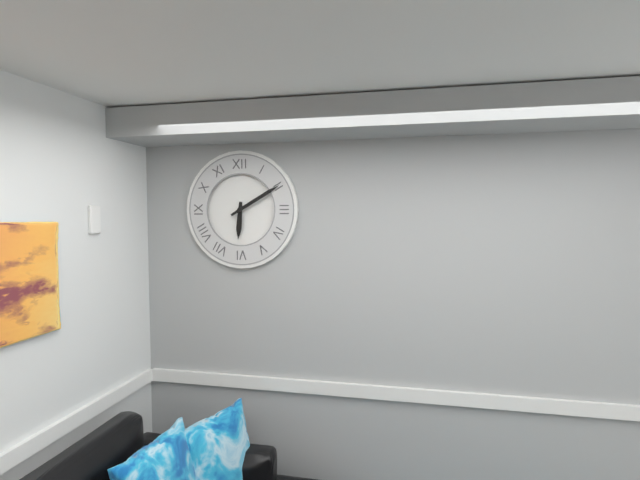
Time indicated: **6:10**
